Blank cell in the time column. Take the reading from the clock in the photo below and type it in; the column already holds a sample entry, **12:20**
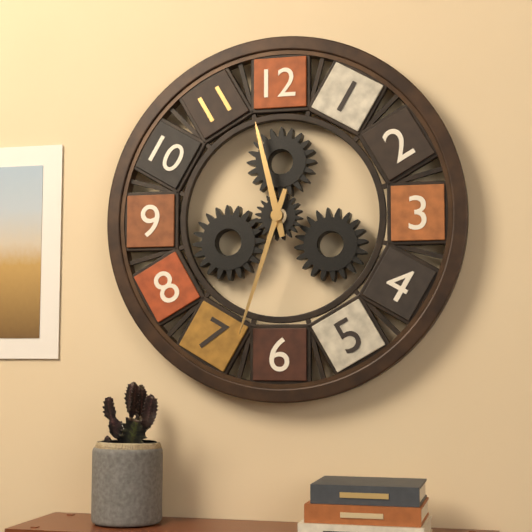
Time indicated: **11:33**
